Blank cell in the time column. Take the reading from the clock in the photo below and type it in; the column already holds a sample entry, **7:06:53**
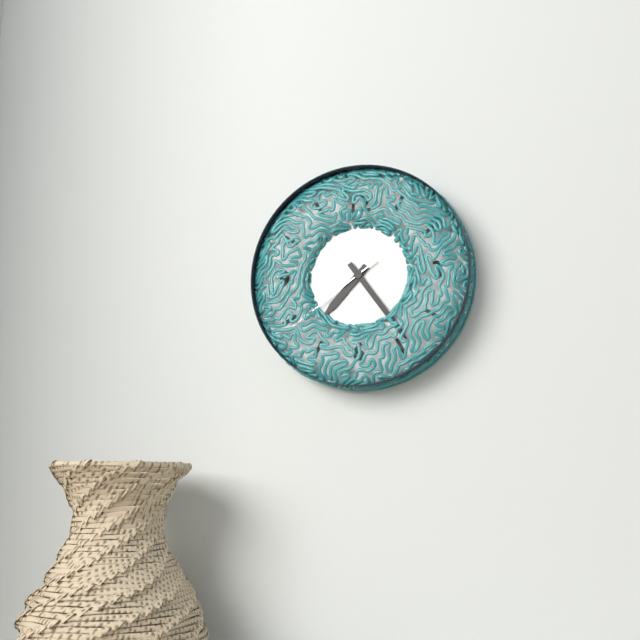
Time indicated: **7:24:39**
